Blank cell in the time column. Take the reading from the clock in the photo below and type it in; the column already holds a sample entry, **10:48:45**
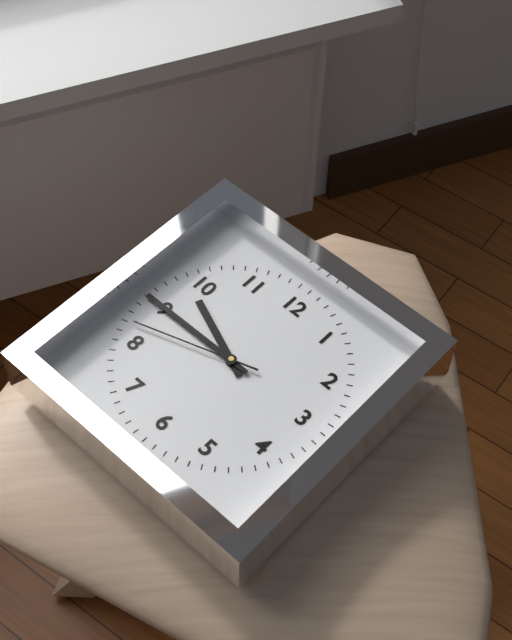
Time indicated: **9:45:42**
